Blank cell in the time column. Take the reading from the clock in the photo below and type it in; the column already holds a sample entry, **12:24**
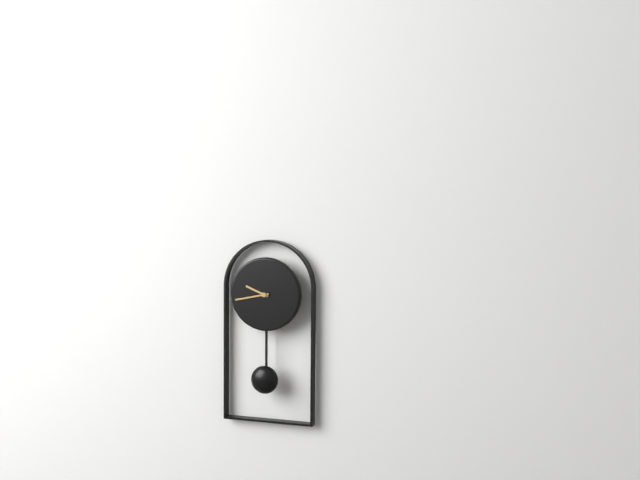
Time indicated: **9:43**
